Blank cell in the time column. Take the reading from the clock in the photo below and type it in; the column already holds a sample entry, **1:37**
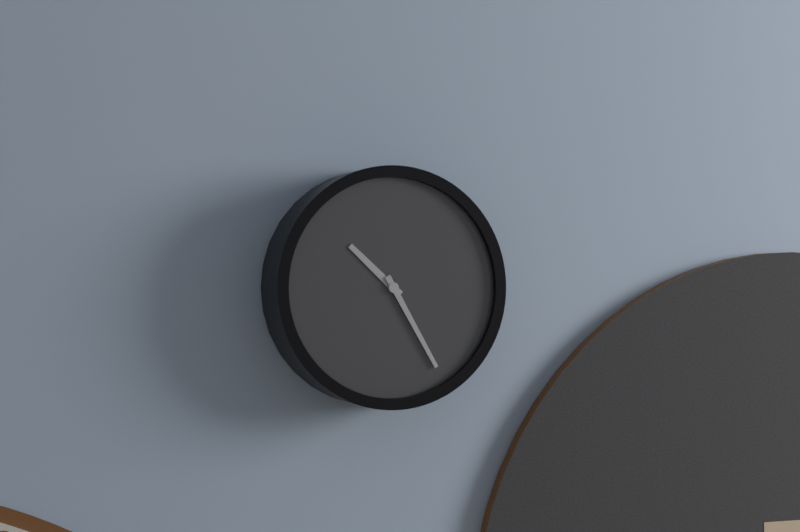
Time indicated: **10:25**
